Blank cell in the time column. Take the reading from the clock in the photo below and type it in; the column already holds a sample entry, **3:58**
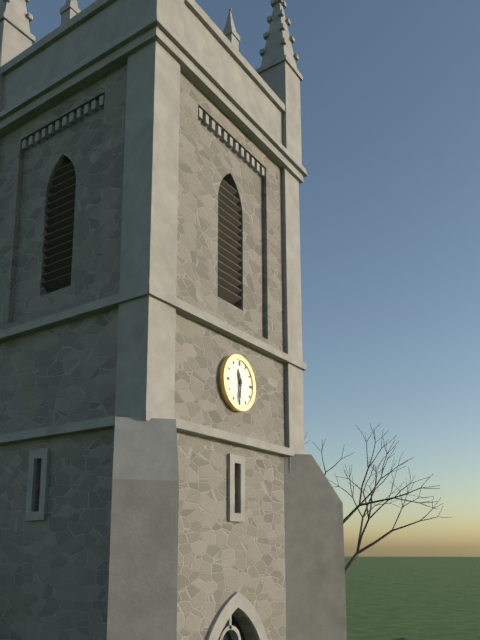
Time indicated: **11:31**
